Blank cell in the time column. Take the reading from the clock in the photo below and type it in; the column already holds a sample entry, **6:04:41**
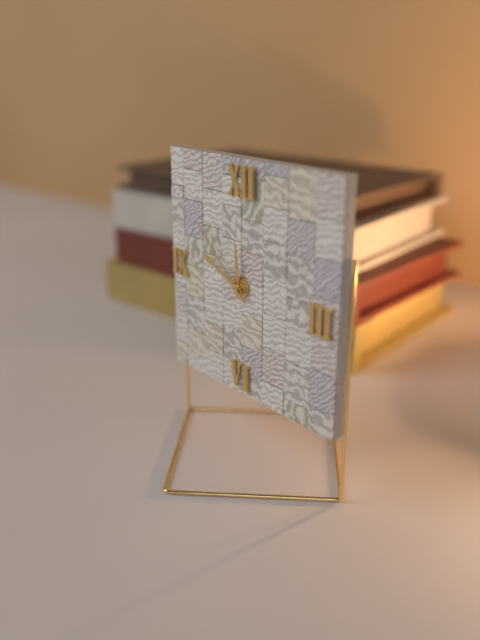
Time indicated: **11:49:52**
